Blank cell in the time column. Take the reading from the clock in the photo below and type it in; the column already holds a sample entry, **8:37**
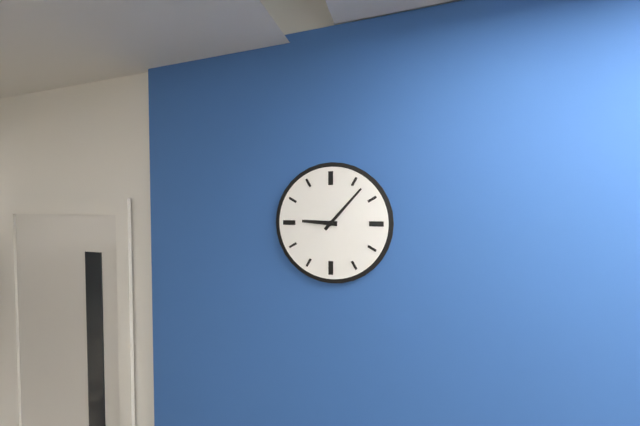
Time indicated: **9:07**
